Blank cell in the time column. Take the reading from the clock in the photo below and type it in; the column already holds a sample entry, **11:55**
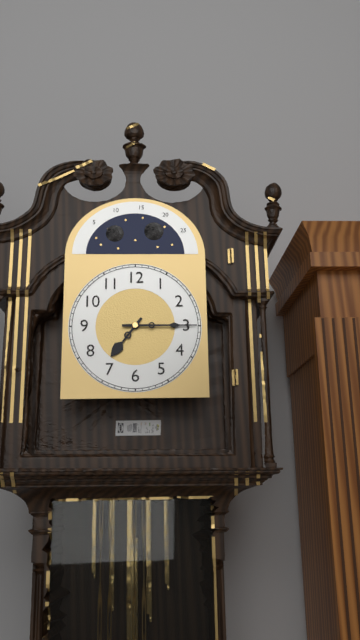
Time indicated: **7:15**
